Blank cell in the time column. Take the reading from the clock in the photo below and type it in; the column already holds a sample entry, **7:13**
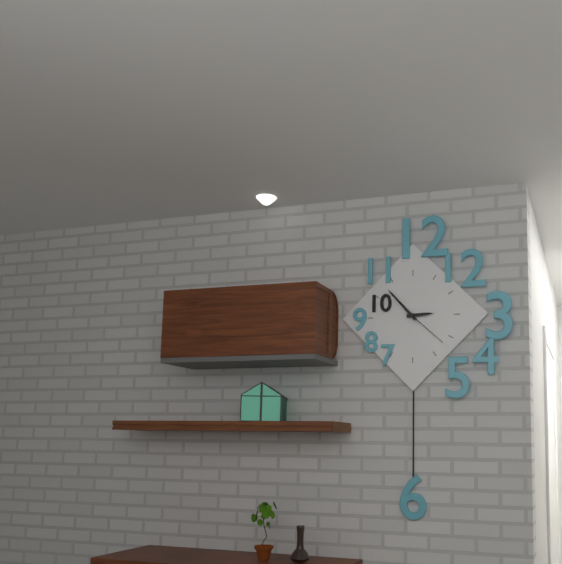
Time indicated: **2:53**
